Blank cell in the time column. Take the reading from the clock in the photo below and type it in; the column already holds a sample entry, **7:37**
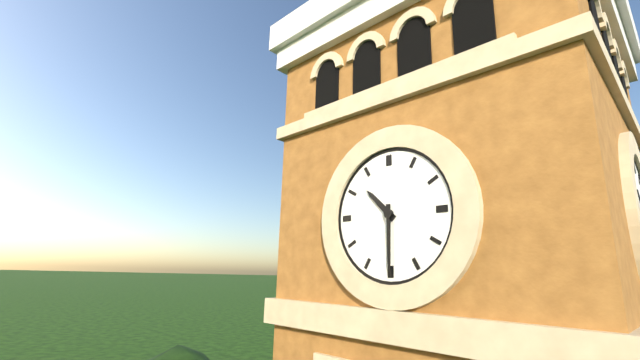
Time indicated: **10:30**
